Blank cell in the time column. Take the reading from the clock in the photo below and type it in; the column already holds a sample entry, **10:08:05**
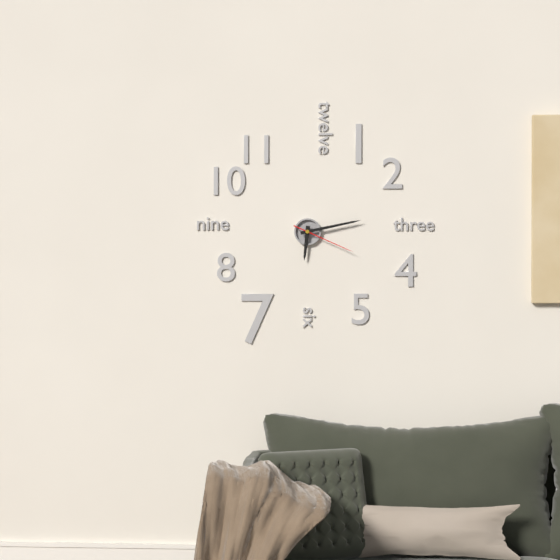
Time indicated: **6:13:19**
